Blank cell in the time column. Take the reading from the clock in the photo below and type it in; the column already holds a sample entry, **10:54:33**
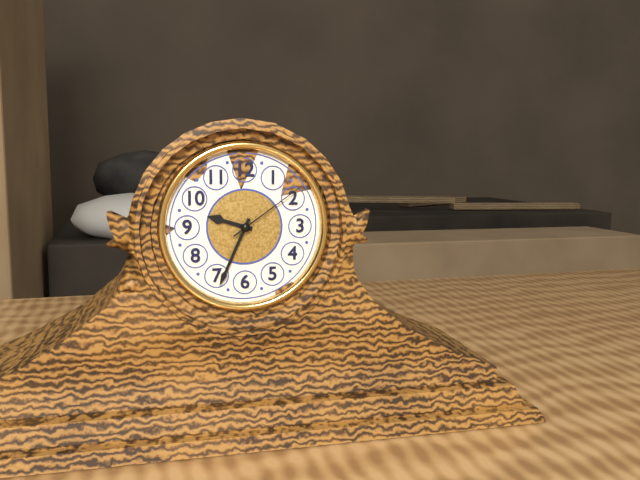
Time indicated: **9:34:09**
